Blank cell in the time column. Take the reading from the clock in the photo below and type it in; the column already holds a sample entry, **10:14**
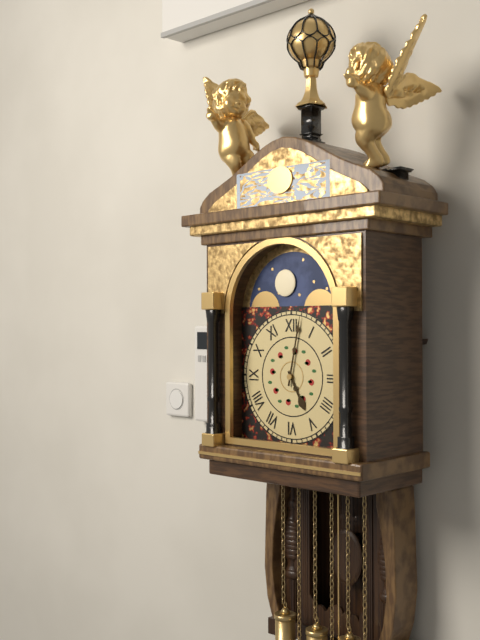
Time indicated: **5:02**
